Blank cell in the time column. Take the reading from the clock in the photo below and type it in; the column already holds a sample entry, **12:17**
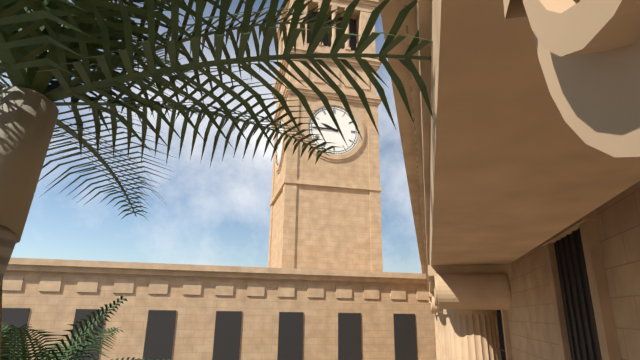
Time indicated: **9:45**
